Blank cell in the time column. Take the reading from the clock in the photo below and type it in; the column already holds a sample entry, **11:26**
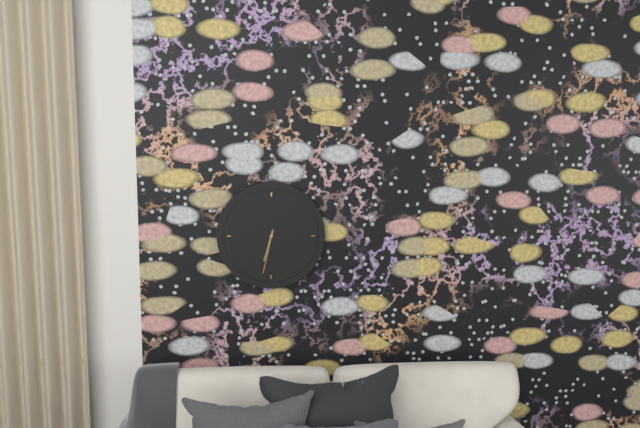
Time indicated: **6:32**
